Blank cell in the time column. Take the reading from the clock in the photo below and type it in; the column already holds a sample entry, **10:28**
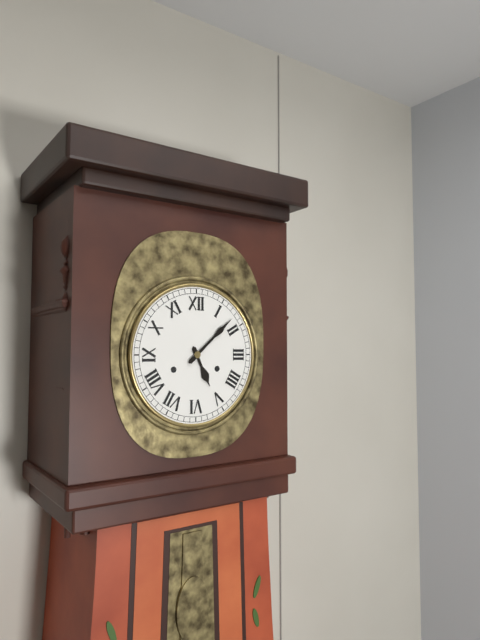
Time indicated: **5:08**
